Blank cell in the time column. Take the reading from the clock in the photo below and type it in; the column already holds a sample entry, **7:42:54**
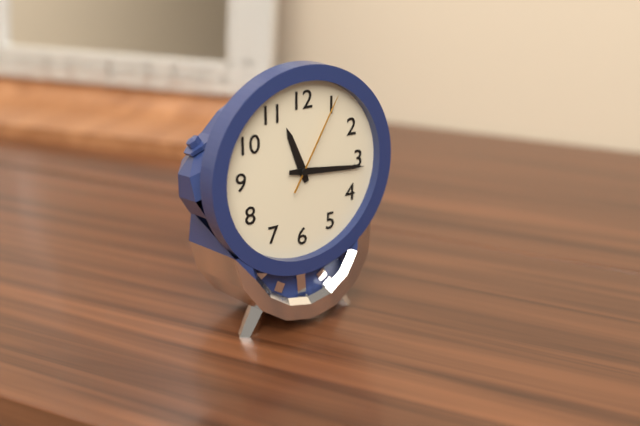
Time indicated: **11:16:05**
